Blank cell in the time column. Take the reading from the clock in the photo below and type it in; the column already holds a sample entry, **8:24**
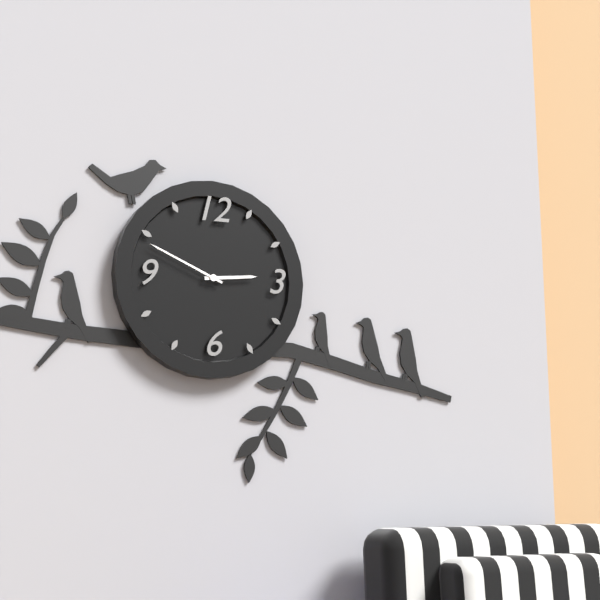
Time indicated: **2:49**
